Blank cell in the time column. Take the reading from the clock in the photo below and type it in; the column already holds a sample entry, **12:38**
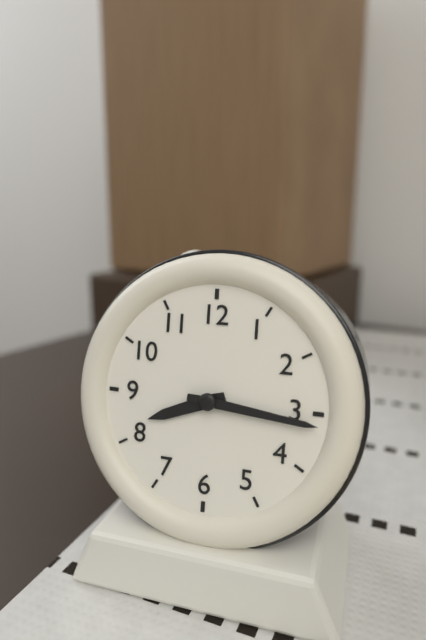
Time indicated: **8:16**
